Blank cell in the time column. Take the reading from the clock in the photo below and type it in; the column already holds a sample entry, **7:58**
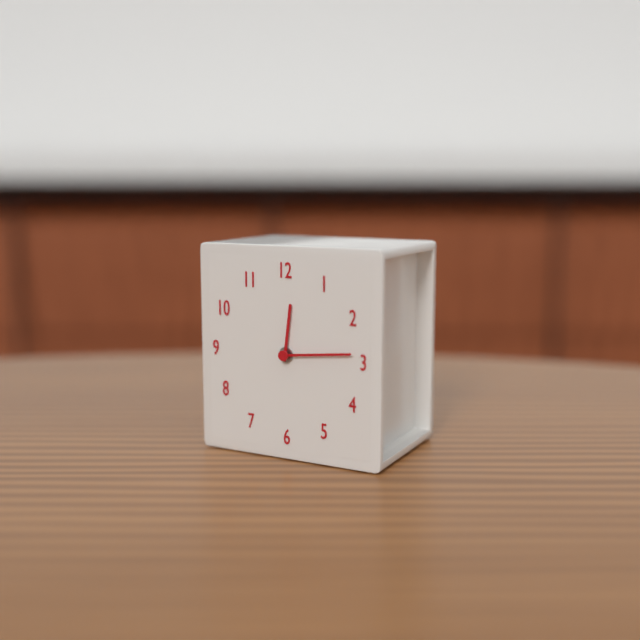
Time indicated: **12:14**
